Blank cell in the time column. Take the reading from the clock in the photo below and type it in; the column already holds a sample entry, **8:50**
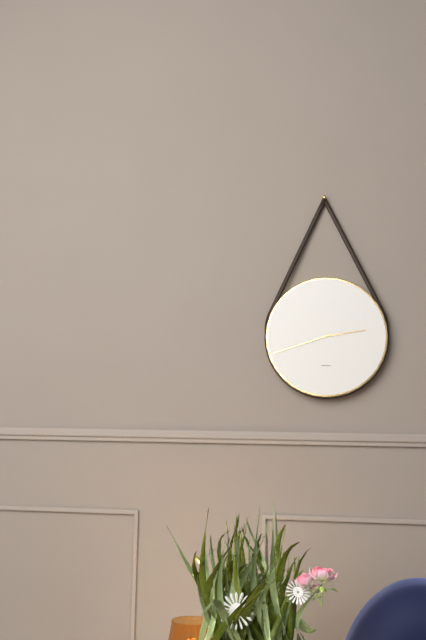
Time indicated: **2:42**
